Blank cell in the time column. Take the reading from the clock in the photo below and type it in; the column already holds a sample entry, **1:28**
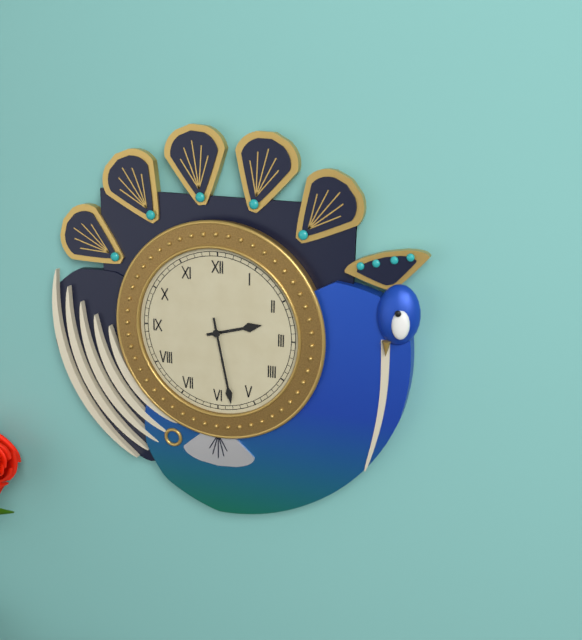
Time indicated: **2:28**
